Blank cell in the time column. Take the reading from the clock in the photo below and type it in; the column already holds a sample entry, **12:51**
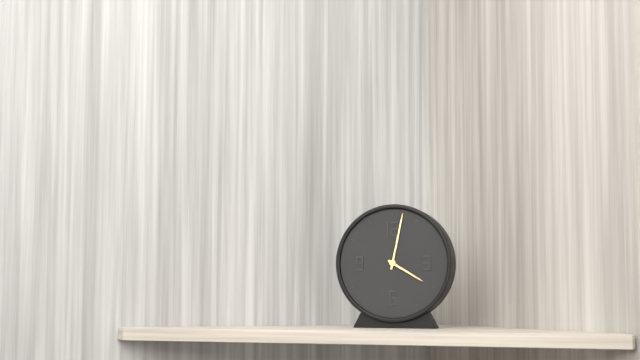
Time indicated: **4:02**
